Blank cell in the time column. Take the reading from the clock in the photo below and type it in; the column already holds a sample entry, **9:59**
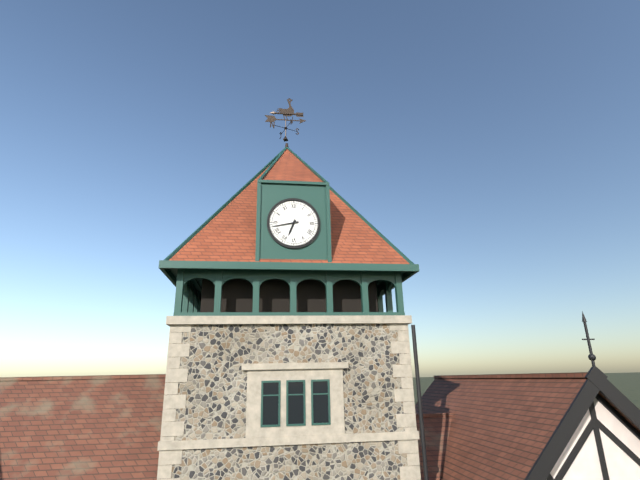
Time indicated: **6:43**
